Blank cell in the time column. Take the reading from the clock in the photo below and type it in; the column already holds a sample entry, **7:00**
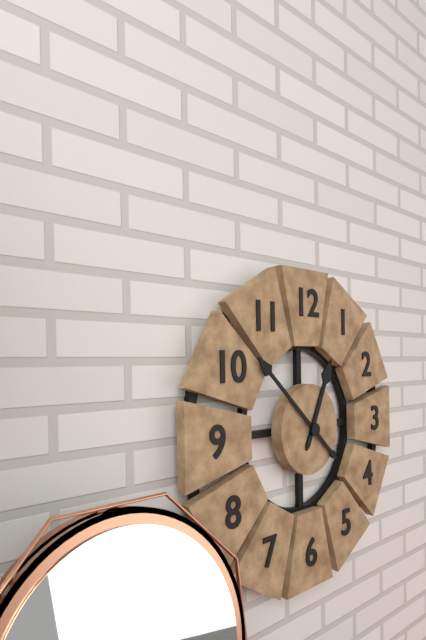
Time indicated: **12:52**
